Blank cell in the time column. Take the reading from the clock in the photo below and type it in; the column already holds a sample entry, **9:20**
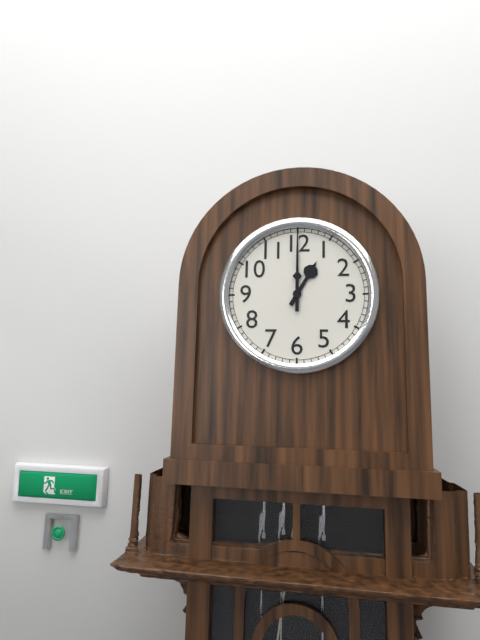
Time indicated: **1:00**
